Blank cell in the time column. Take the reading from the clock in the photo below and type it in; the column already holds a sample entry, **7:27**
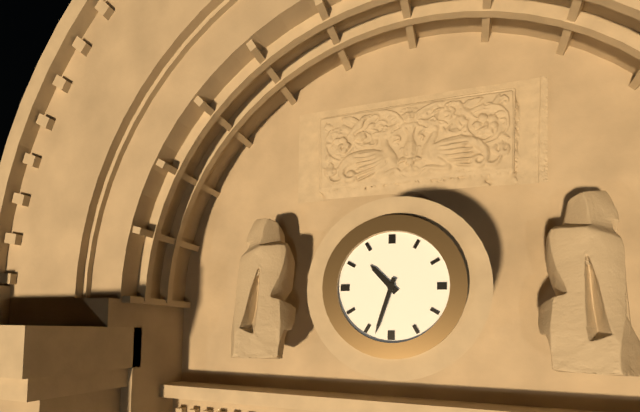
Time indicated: **10:33**
